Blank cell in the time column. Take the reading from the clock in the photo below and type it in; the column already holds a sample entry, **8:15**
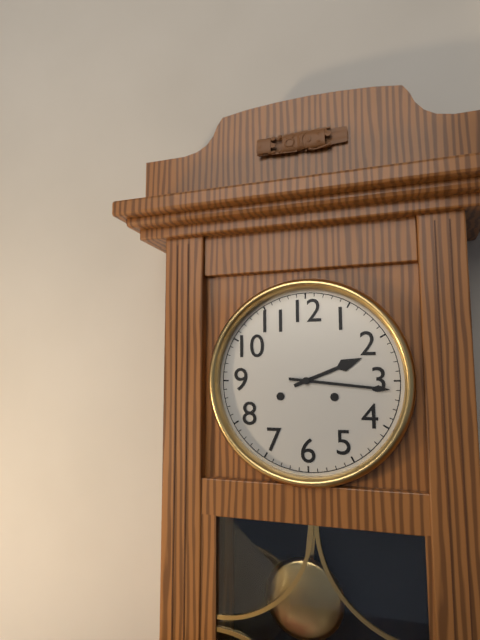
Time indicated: **2:16**
